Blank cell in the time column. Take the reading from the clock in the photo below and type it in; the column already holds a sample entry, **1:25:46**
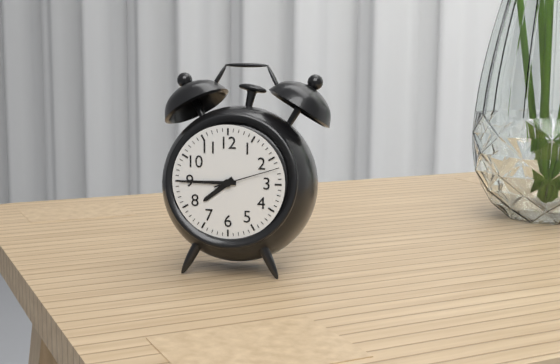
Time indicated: **7:45:12**
